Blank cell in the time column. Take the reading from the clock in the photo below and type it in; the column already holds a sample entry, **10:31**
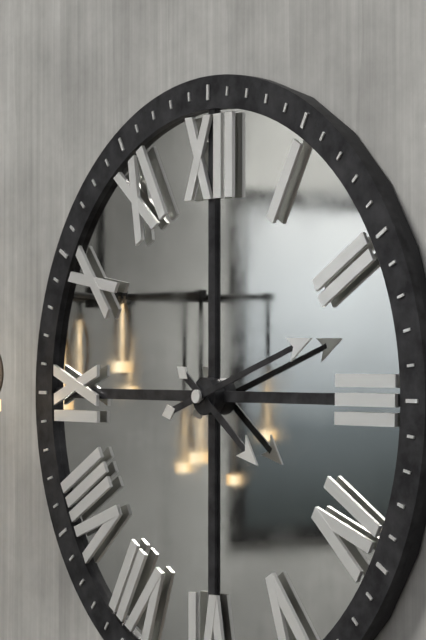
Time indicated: **4:12**
